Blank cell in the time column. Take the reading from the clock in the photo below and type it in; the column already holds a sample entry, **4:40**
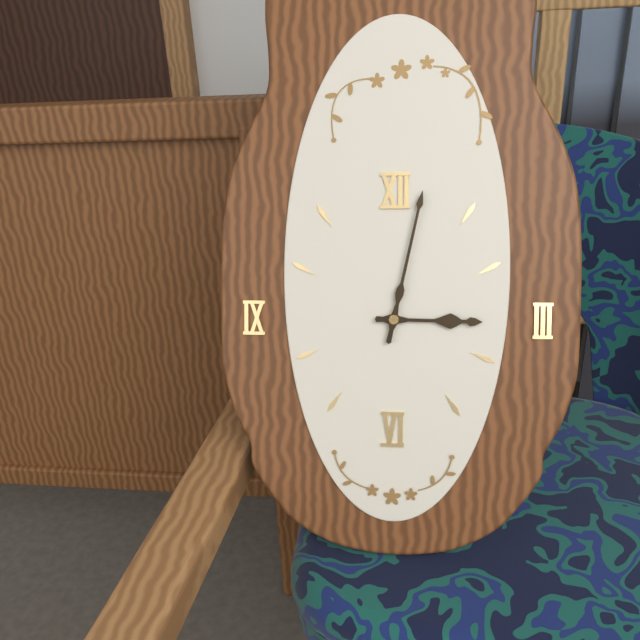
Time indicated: **3:02**
